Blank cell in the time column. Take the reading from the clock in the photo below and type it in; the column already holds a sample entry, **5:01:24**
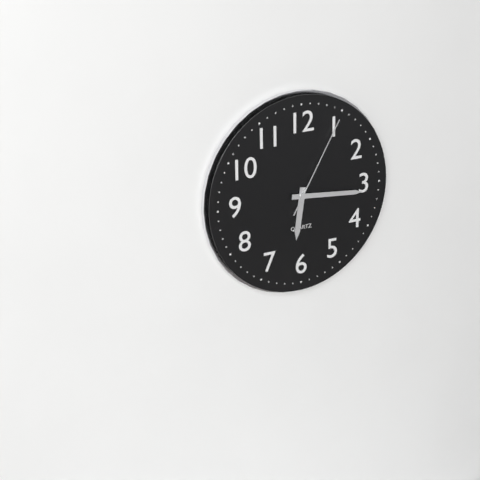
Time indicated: **6:16:05**
